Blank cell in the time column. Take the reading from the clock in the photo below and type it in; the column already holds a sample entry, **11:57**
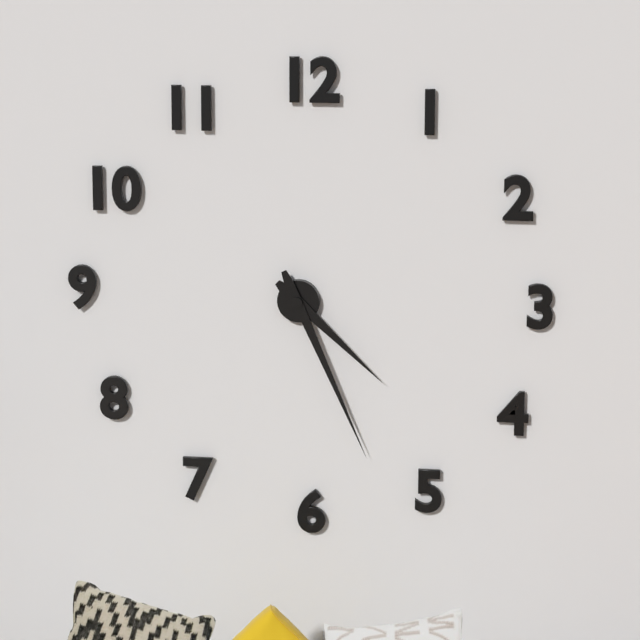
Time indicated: **4:26**
